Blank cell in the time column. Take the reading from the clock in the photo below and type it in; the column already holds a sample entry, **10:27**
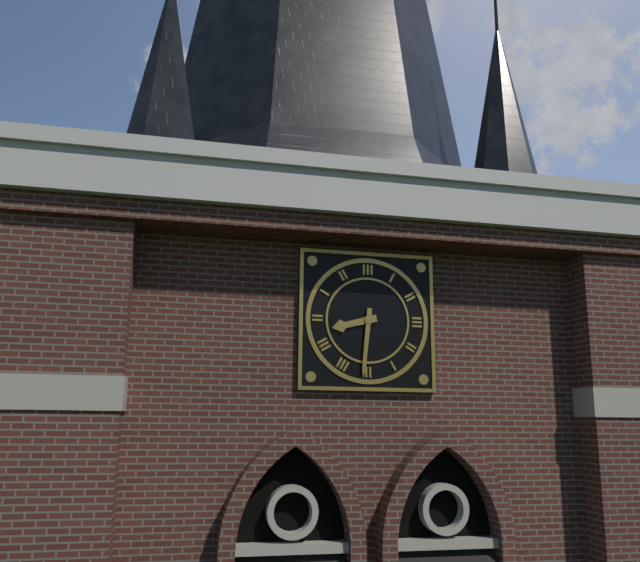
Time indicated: **8:31**
